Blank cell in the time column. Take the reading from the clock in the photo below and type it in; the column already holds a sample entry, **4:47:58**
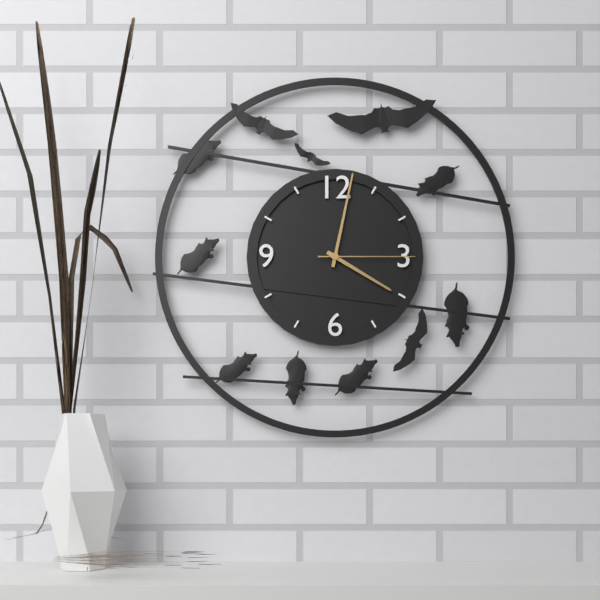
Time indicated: **4:02:15**
